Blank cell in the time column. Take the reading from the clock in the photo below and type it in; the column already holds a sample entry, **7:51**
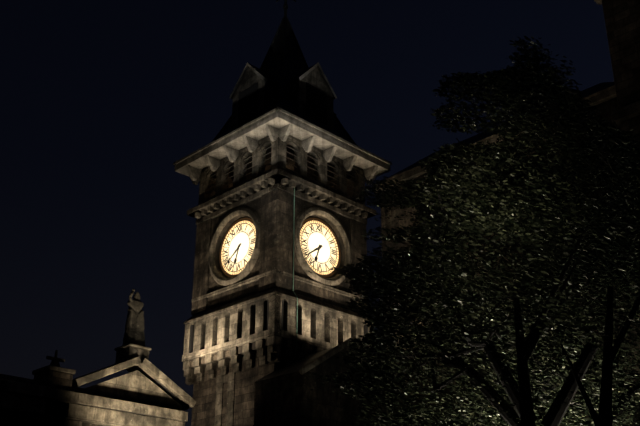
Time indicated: **6:39**
